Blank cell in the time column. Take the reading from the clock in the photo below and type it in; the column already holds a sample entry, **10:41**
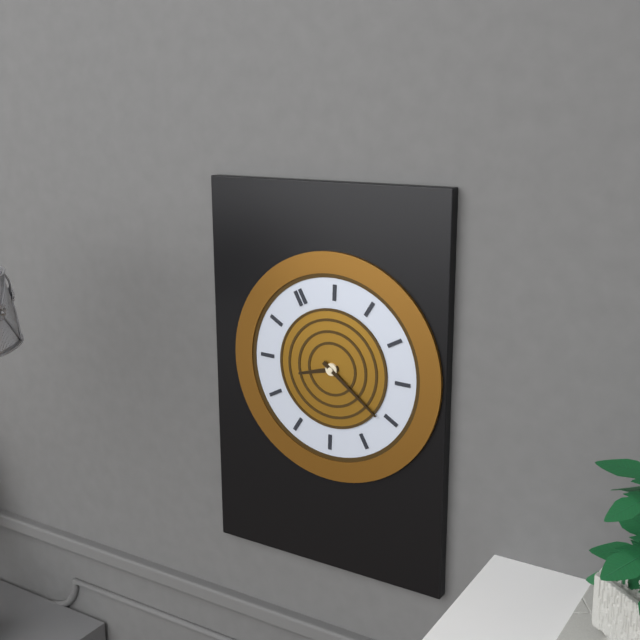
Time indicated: **9:26**
